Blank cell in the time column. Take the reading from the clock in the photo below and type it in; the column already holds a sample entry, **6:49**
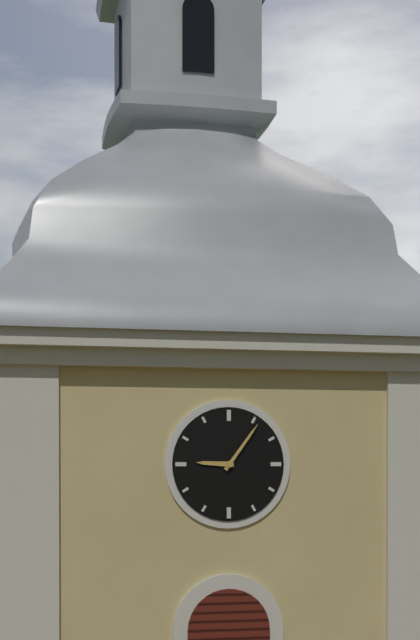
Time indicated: **9:06**
